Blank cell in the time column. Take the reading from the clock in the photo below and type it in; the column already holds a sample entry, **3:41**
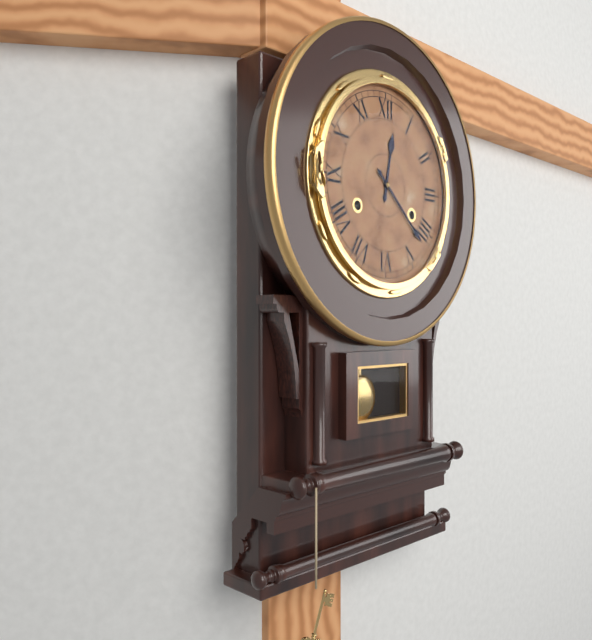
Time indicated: **12:22**
